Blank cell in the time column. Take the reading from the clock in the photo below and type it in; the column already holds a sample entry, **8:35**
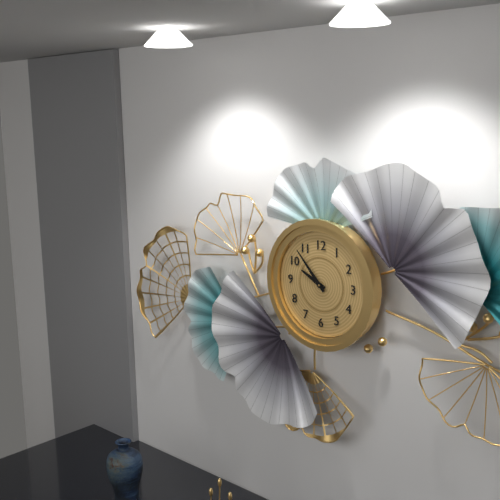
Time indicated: **9:53**
